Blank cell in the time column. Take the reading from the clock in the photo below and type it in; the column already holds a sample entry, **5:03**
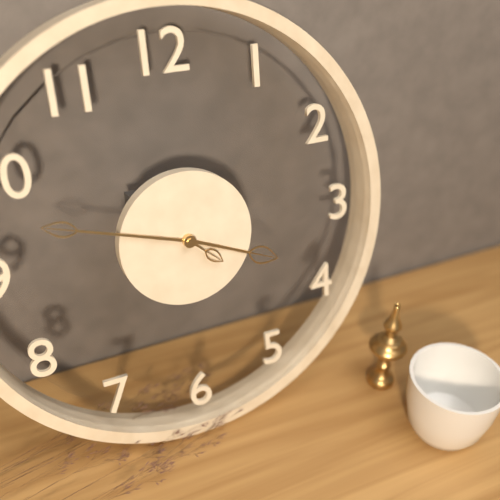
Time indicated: **3:48**
